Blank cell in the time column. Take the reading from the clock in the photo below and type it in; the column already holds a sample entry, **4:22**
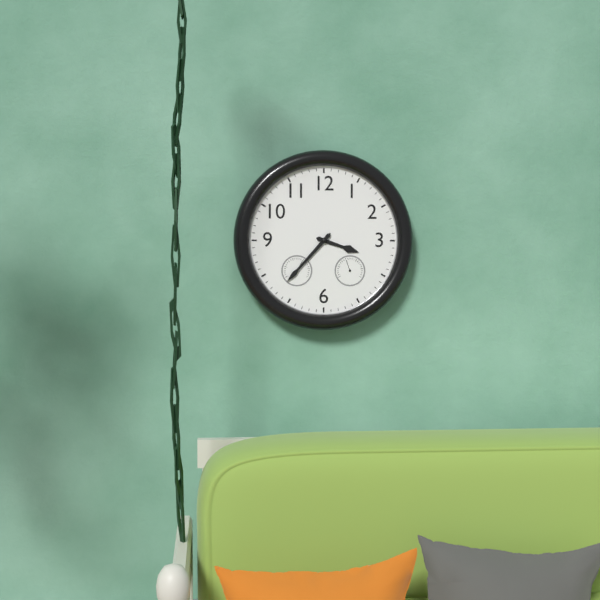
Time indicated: **3:37**
